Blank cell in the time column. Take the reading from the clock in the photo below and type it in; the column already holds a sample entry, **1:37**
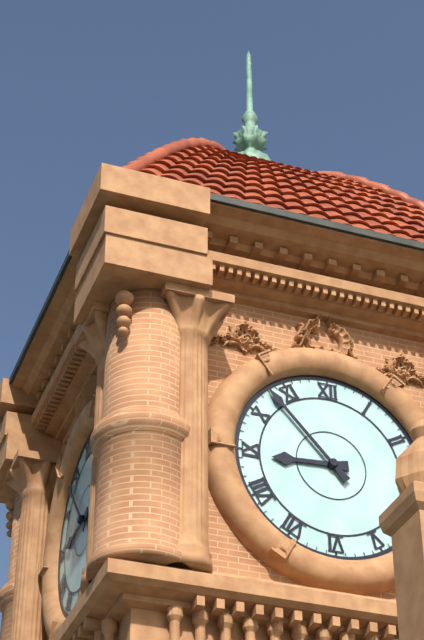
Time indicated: **8:53**
